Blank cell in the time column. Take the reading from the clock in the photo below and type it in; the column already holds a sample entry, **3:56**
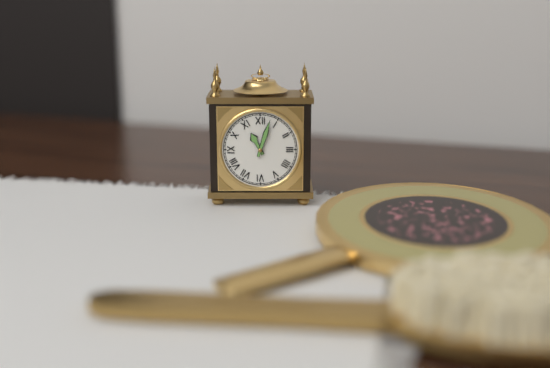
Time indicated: **11:03**
